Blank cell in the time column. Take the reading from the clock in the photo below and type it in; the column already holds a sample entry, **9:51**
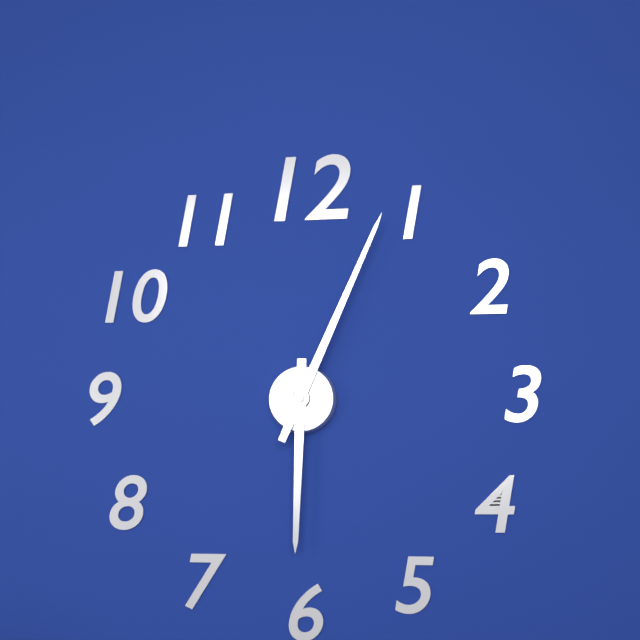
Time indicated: **6:04**
